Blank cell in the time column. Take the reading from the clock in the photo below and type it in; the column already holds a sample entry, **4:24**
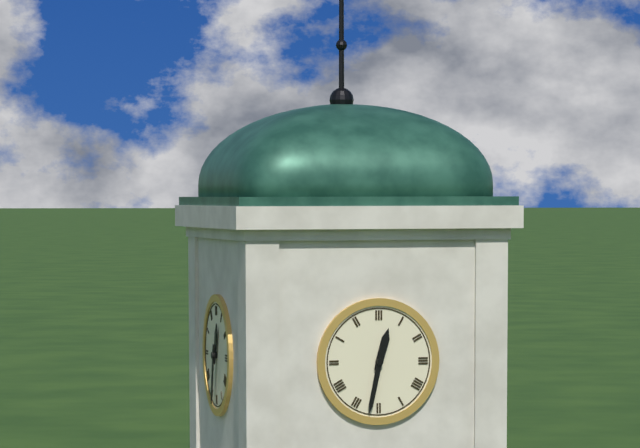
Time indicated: **12:32**
